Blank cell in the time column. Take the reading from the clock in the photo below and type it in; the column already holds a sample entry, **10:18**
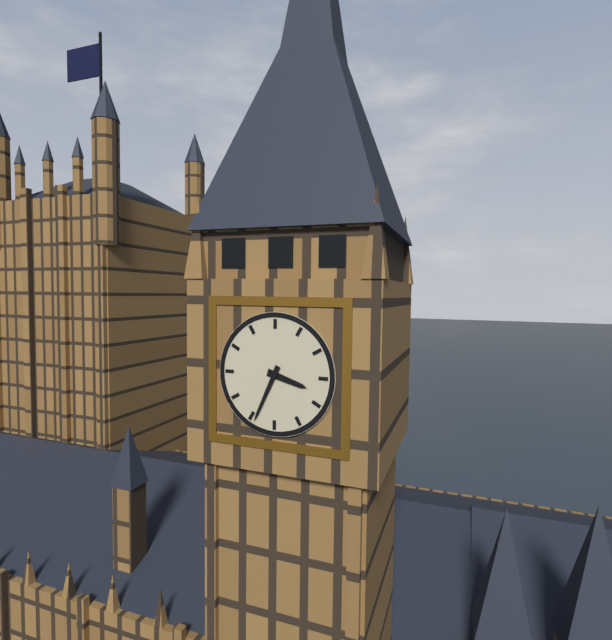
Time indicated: **3:34**
